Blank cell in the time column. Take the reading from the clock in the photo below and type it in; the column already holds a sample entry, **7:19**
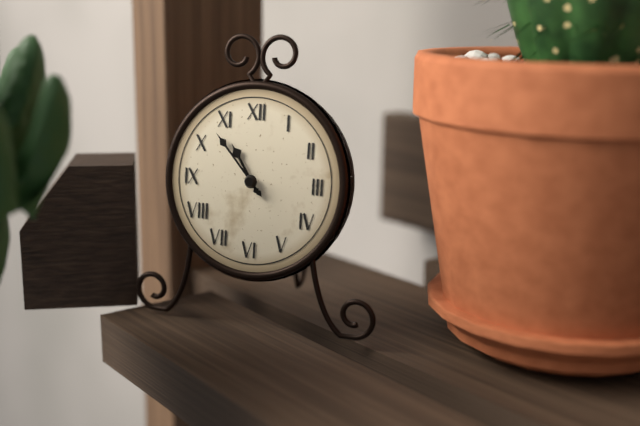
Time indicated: **10:53**
